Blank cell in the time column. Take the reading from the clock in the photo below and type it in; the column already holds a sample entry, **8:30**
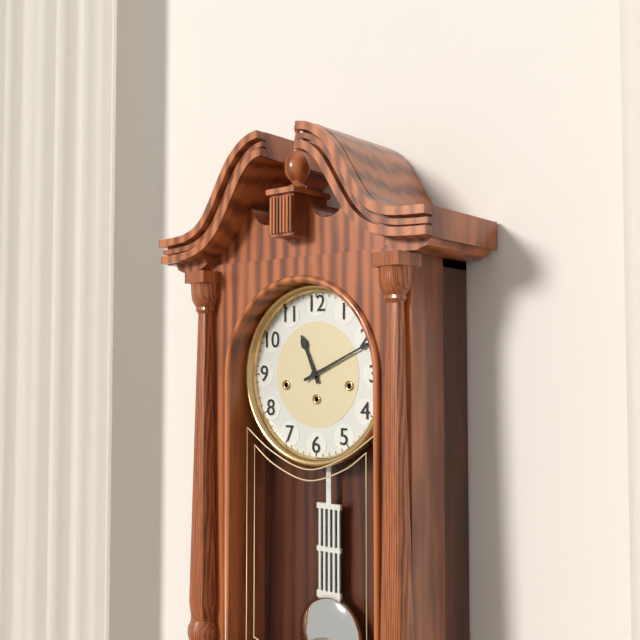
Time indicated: **11:11**
